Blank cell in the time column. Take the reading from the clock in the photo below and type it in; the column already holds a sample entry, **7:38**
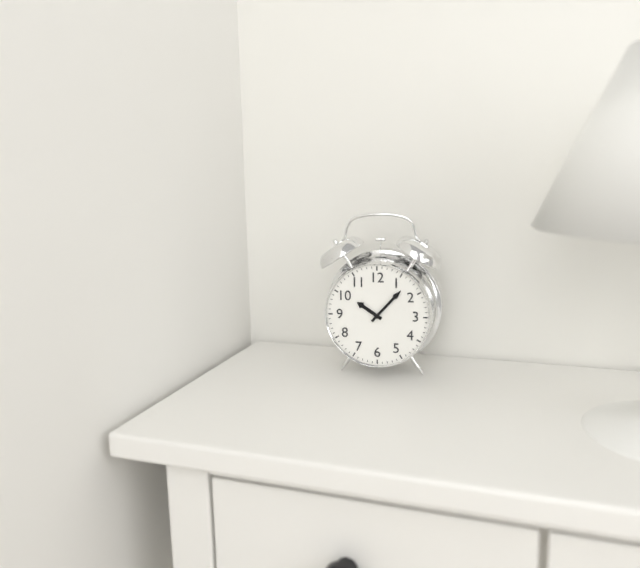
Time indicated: **10:07**
